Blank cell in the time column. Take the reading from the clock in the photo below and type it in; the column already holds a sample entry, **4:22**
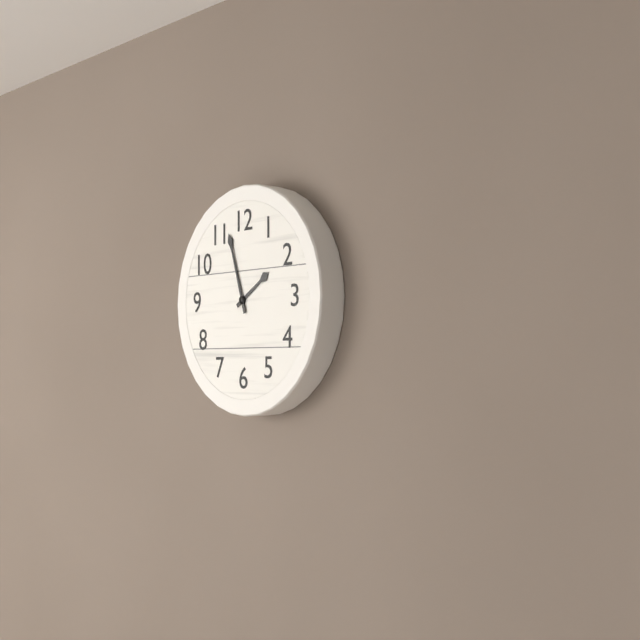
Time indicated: **1:57**
